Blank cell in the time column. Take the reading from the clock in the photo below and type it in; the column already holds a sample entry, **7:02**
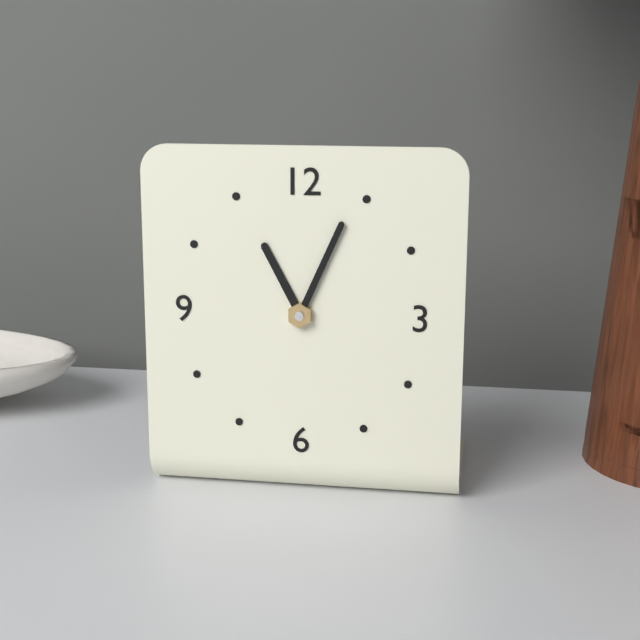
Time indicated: **11:04**
